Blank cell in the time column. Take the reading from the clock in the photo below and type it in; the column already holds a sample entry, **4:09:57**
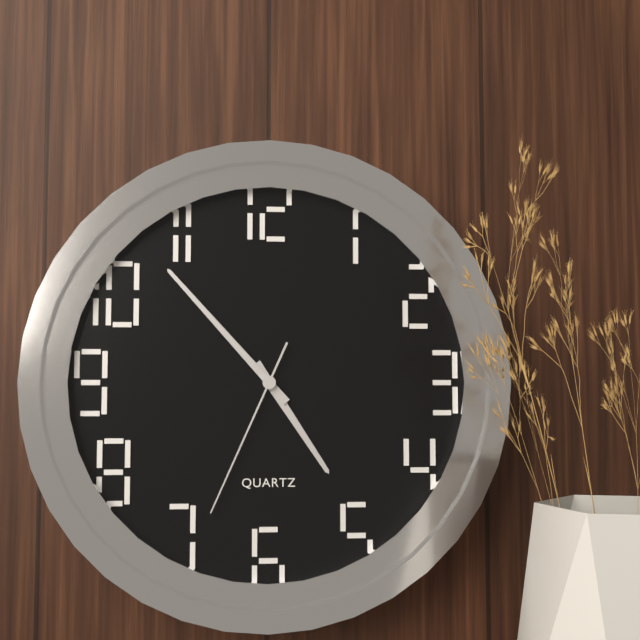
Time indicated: **4:53:34**
